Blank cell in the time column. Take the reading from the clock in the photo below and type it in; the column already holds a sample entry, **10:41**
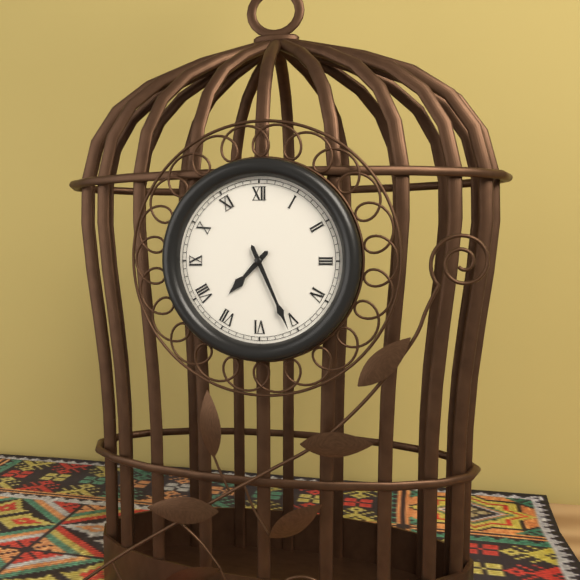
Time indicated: **7:26**
